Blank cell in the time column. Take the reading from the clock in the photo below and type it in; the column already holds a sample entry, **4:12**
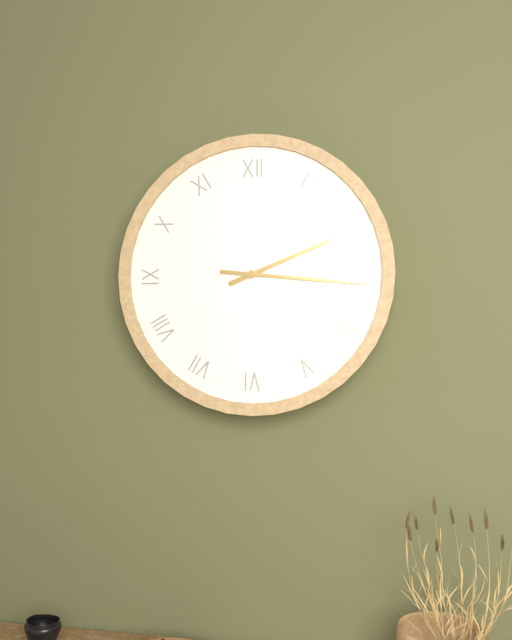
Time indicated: **2:16**
